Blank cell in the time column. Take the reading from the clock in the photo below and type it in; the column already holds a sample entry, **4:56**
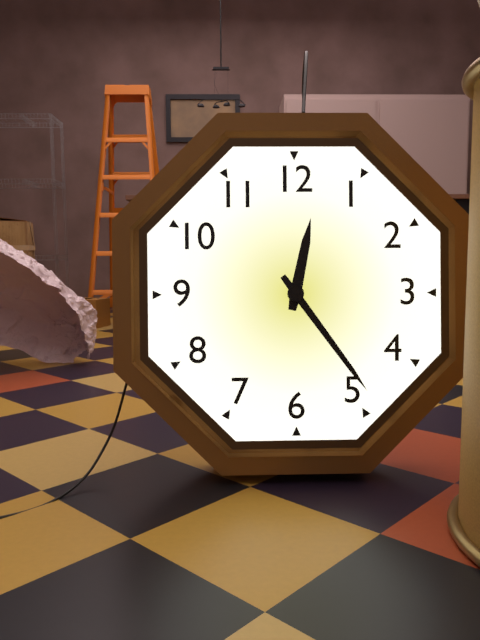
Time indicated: **12:24**
